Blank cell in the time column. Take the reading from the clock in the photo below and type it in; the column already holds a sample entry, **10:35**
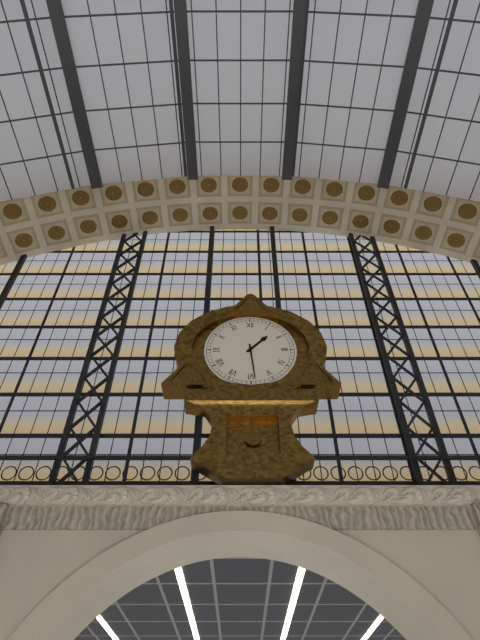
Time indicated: **1:29**
